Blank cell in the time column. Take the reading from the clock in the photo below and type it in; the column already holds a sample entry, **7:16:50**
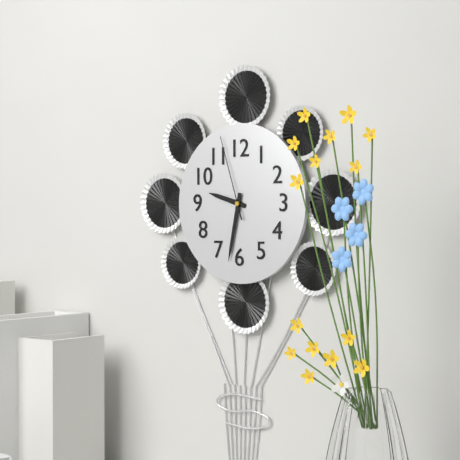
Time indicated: **9:32:57**
